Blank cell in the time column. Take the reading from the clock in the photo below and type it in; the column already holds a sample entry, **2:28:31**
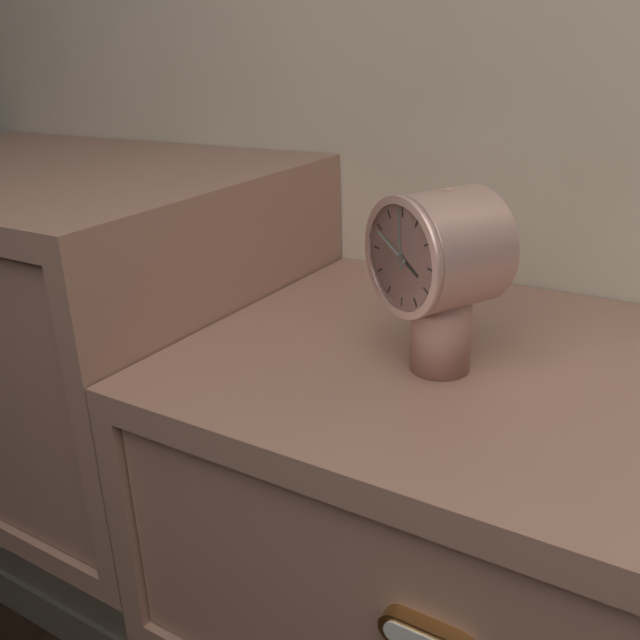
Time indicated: **3:49:59**
